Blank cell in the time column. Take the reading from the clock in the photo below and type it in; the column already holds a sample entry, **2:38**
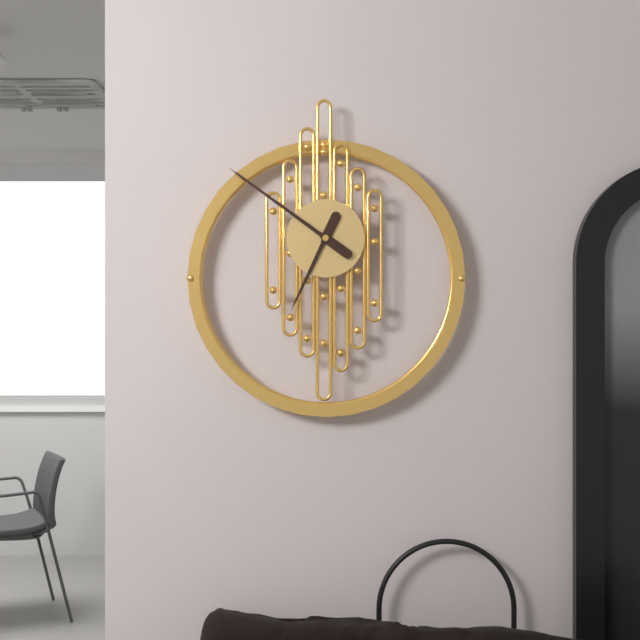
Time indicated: **6:51**
